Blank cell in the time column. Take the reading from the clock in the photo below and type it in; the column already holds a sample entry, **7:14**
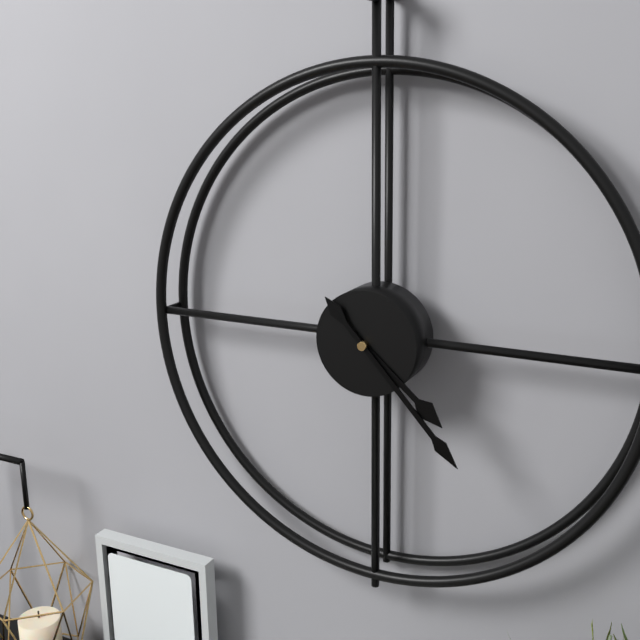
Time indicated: **4:23**
